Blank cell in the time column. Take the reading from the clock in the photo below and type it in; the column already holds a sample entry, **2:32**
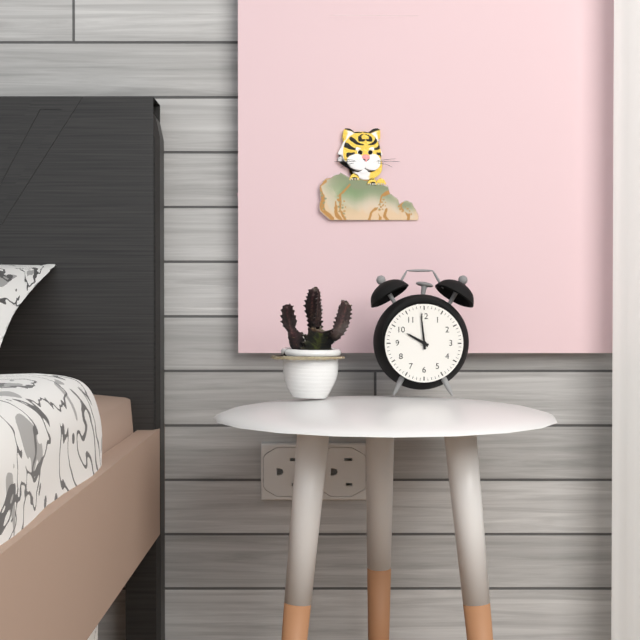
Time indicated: **9:59**
